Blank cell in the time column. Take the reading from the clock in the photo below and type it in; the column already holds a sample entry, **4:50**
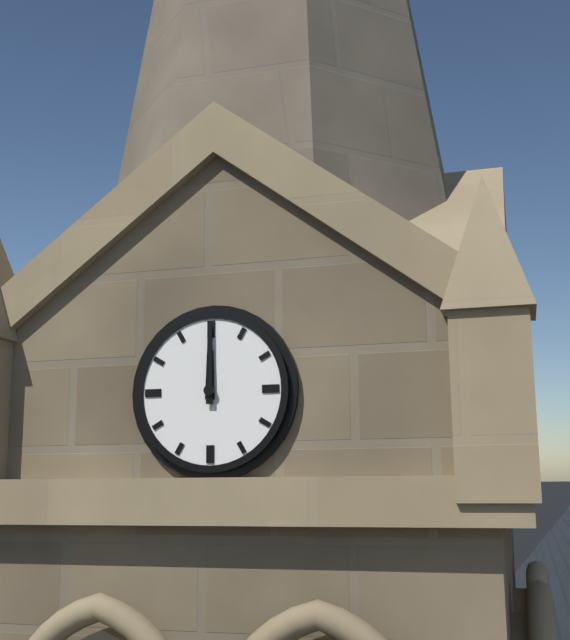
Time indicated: **12:00**
